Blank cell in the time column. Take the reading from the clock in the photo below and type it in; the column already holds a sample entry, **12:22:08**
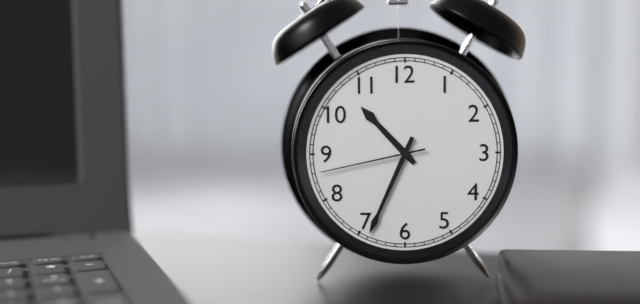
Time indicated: **10:34:43**
